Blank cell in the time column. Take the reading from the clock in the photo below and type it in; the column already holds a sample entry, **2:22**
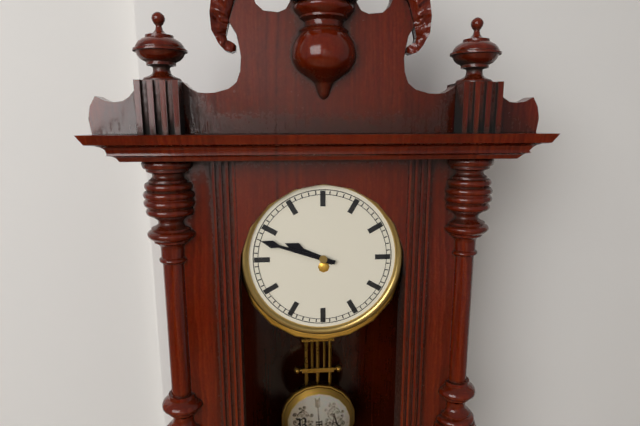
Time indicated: **9:48**
